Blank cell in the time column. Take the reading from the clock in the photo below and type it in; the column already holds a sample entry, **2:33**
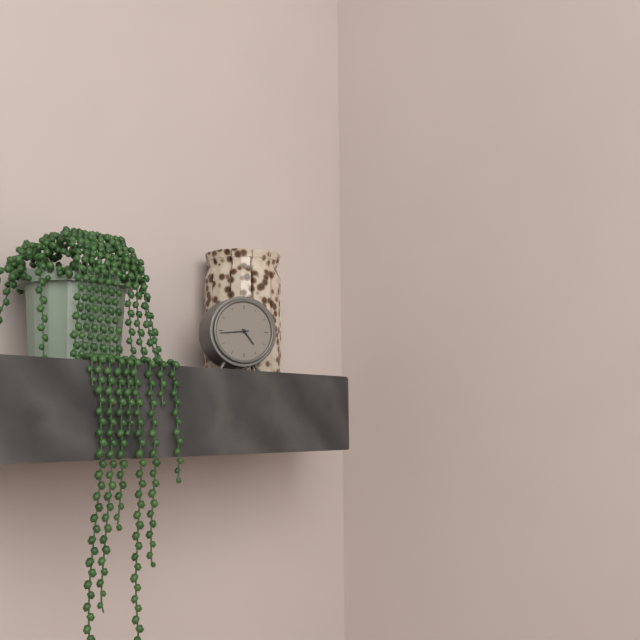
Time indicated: **4:44**
